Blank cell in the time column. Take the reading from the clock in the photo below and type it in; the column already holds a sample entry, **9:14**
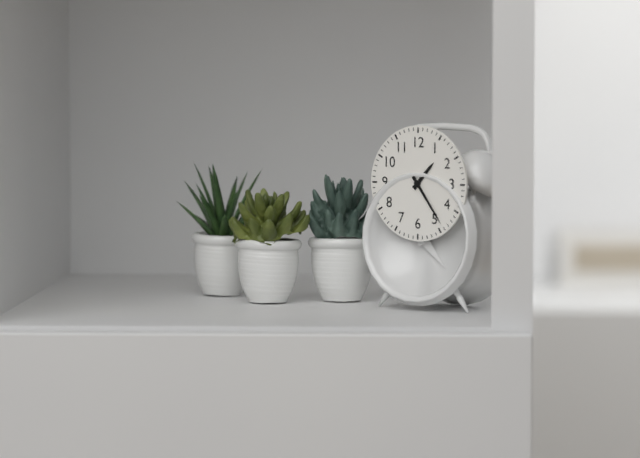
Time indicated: **1:24**
